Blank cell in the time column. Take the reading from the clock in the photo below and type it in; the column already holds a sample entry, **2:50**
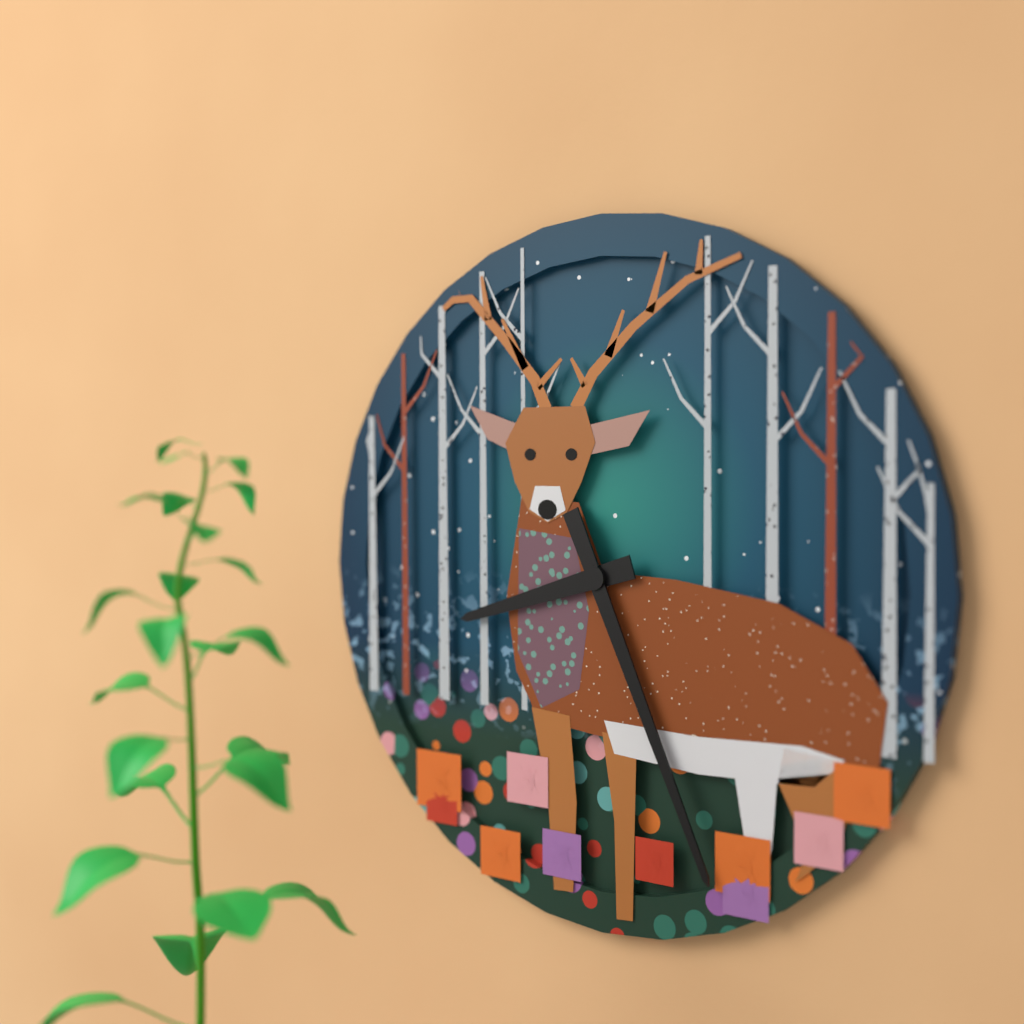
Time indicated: **8:26**
